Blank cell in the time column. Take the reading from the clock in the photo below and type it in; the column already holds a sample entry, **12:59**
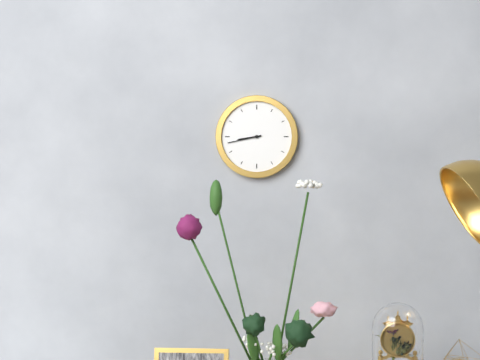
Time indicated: **8:43**
